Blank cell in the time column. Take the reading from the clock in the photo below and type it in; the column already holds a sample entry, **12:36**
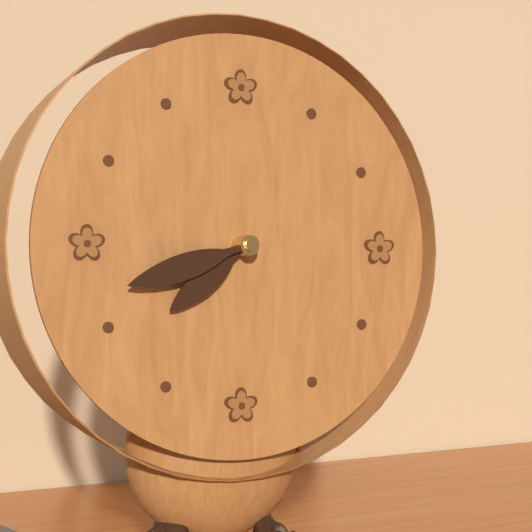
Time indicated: **7:42**
